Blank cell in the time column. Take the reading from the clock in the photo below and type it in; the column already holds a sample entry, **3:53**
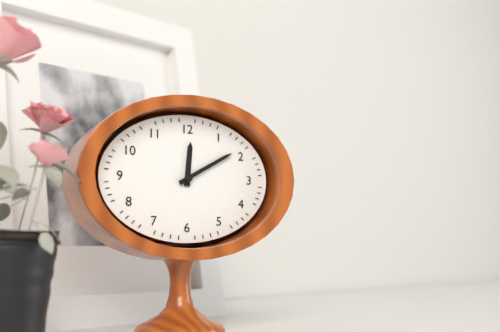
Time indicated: **12:10**
